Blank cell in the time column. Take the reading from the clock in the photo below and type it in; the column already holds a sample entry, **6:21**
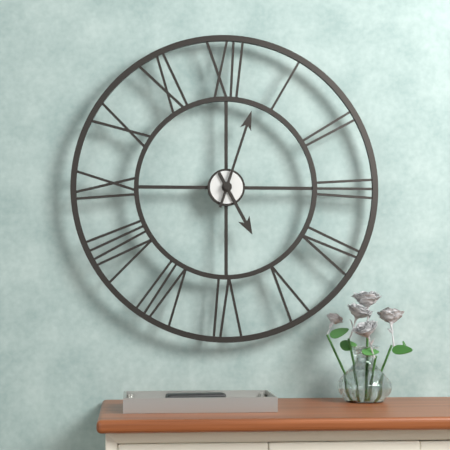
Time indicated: **5:03**
